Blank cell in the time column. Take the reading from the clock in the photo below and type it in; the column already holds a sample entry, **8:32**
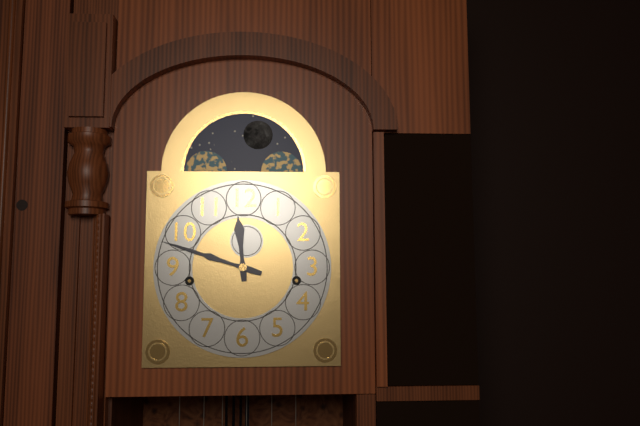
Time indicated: **11:48**
